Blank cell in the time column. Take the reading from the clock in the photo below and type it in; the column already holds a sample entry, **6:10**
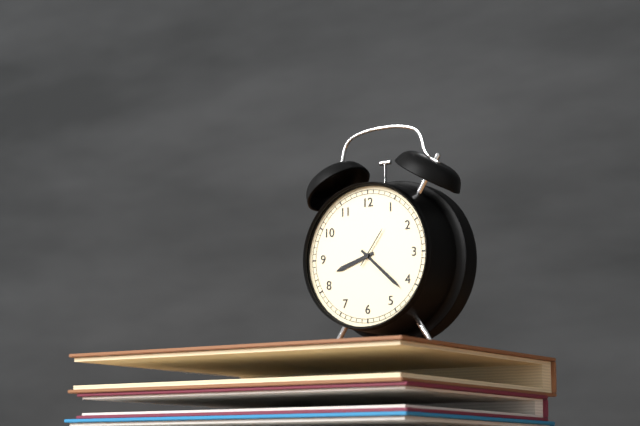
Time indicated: **8:22**
